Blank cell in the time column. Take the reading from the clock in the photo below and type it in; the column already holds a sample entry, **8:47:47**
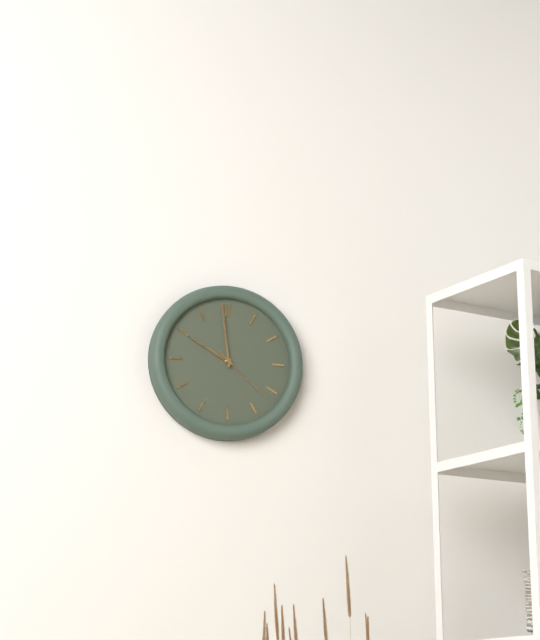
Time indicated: **9:59:22**
